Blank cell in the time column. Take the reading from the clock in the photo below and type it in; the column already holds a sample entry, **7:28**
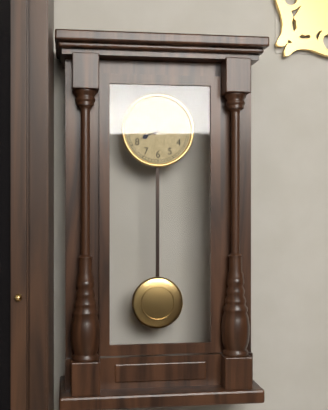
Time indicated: **8:07**
